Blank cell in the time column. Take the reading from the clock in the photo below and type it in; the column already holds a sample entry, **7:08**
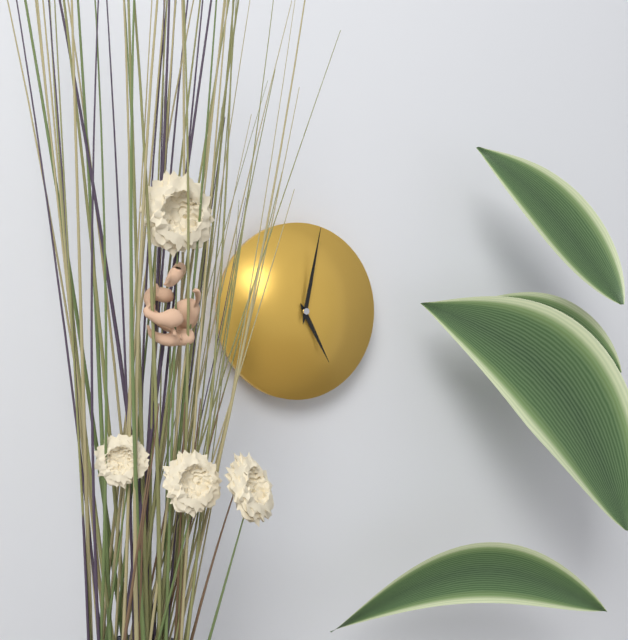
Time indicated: **5:02**
